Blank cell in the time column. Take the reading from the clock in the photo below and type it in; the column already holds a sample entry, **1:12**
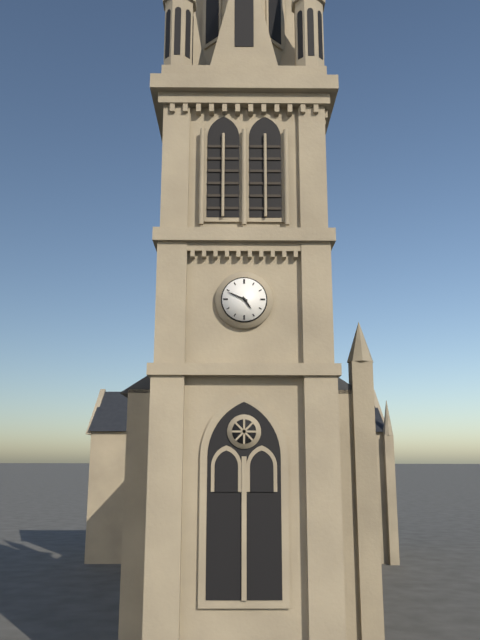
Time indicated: **4:49**
